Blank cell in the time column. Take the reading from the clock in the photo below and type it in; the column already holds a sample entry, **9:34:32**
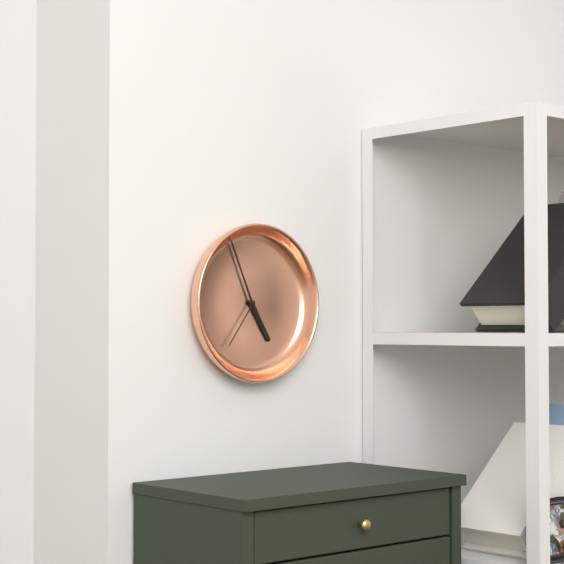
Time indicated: **4:56:36**
